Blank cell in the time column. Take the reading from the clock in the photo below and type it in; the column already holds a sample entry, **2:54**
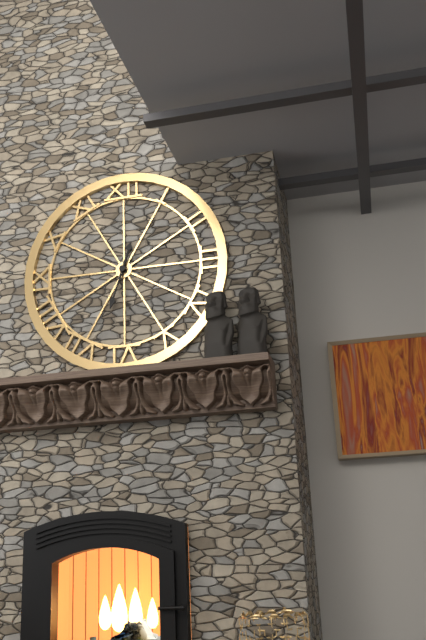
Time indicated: **12:33**
